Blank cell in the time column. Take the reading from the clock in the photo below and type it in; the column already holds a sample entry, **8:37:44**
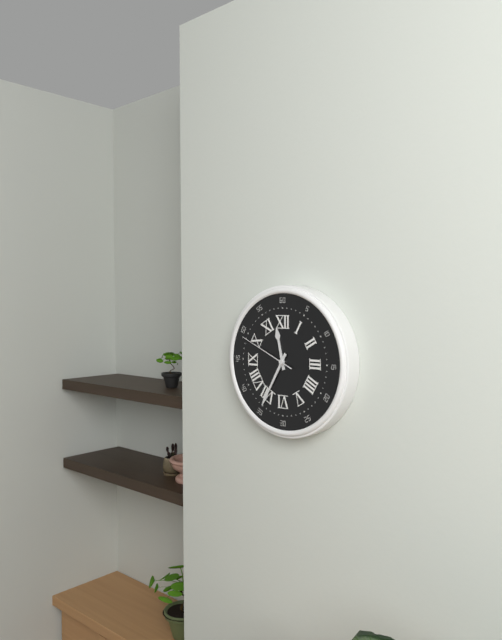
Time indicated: **11:35:49**
